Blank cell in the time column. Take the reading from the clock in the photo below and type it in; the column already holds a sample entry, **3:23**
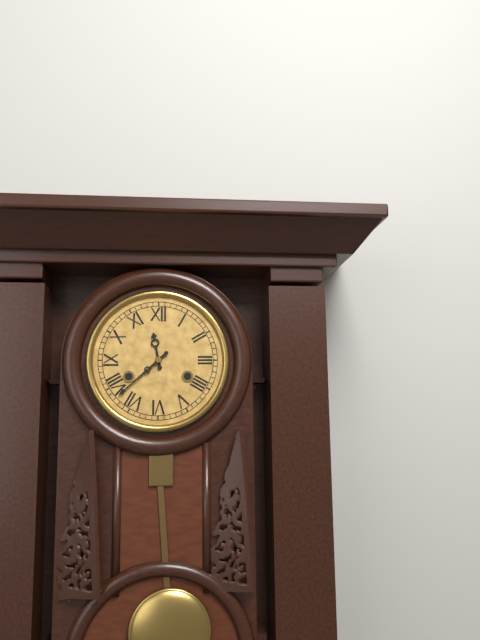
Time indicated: **11:38**
